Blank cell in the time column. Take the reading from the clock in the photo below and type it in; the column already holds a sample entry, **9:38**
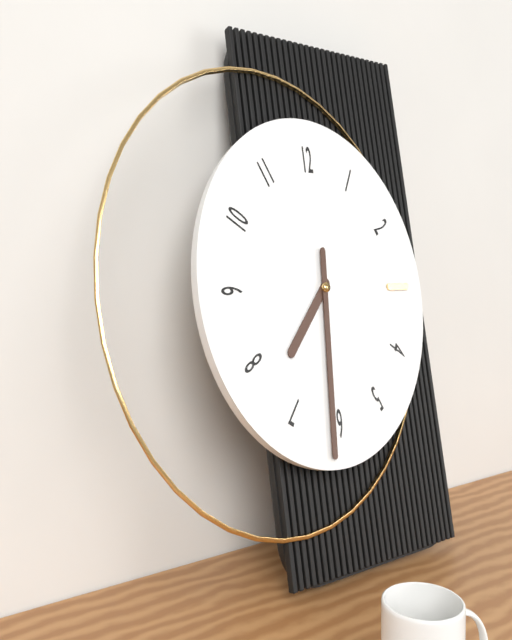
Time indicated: **7:31**
